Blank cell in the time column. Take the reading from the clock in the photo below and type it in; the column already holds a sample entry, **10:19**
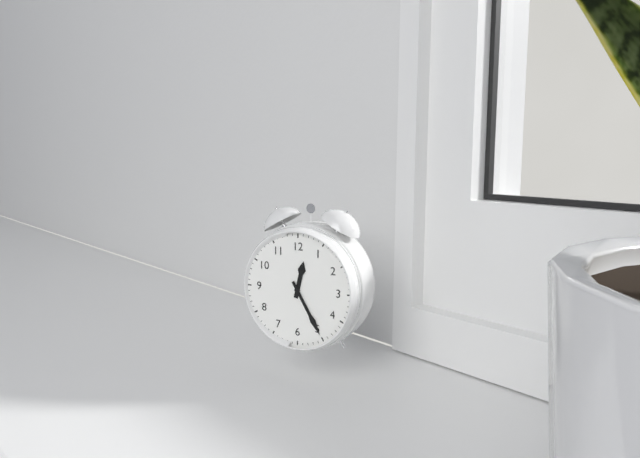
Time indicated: **12:25**
